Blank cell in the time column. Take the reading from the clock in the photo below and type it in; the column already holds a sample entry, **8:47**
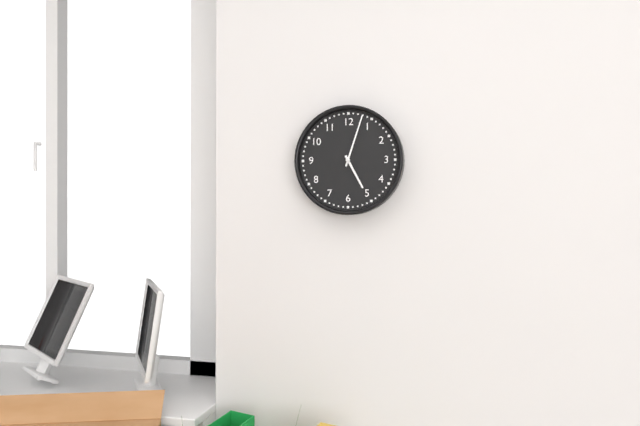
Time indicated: **5:03**
